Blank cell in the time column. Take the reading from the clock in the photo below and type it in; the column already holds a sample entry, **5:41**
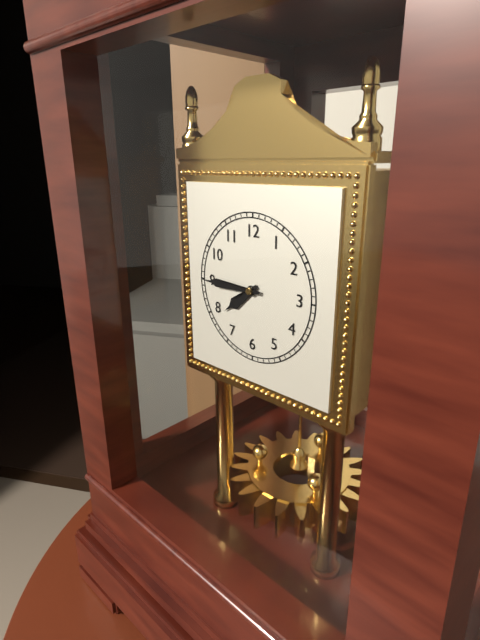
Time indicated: **7:45**
